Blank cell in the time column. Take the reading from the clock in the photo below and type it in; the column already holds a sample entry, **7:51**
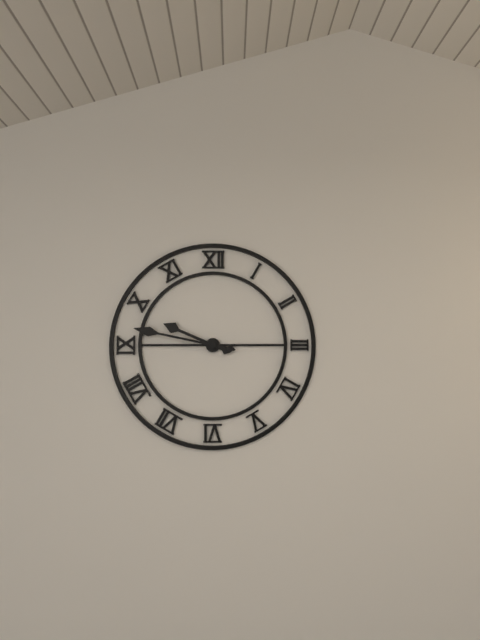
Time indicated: **9:47**
